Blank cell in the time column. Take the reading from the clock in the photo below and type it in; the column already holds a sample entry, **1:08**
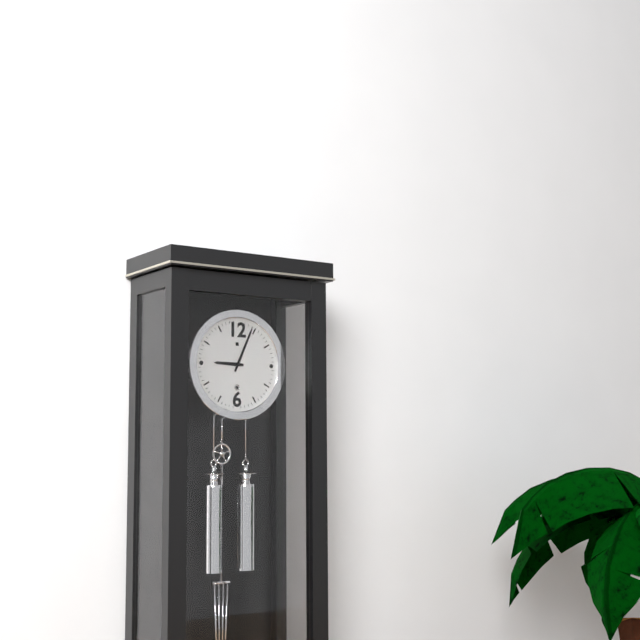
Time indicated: **9:04**
